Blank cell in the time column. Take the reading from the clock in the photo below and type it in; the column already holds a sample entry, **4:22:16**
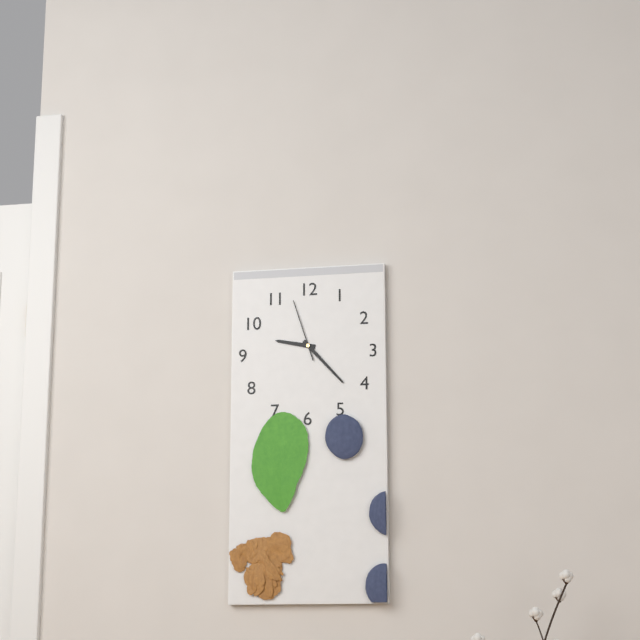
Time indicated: **9:23:57**
